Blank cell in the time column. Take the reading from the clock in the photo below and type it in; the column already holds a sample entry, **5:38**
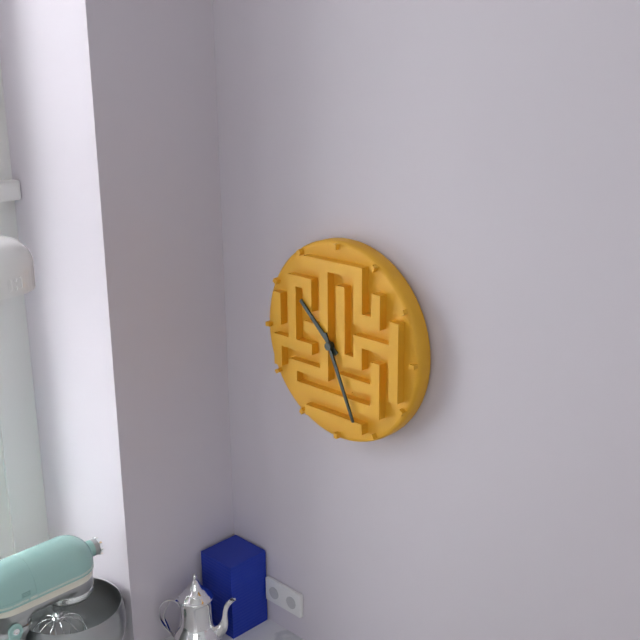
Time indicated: **10:26**
